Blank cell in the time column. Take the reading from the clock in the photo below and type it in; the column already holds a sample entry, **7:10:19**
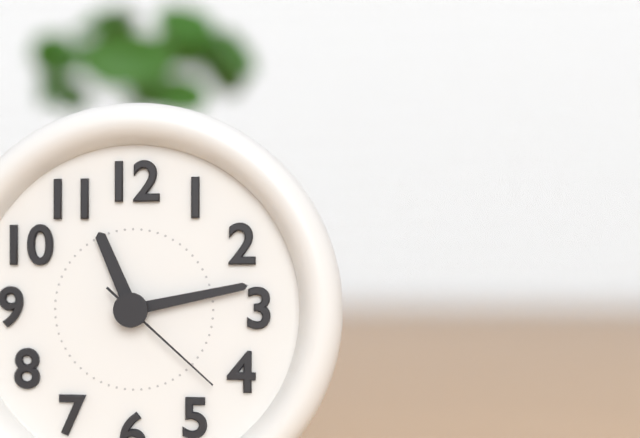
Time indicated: **11:13:22**
